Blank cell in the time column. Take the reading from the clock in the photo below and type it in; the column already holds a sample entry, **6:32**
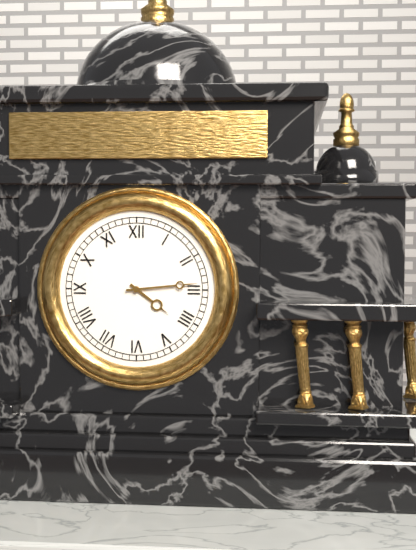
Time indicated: **4:14**
